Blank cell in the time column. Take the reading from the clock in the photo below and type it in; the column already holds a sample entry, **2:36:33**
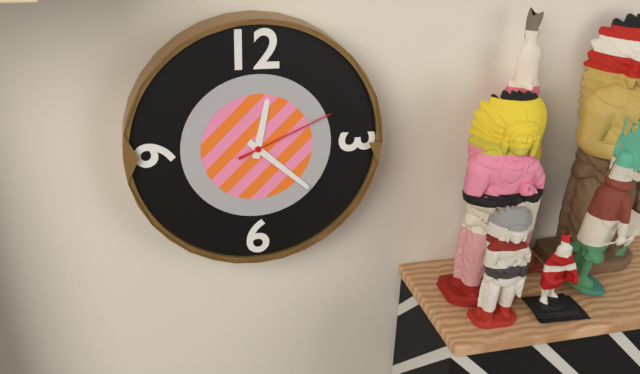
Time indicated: **12:22:11**
